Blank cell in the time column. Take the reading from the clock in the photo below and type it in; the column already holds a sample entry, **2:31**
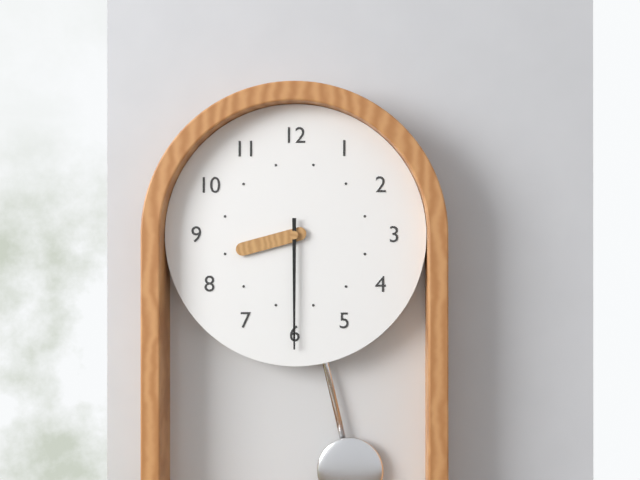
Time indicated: **8:30**
